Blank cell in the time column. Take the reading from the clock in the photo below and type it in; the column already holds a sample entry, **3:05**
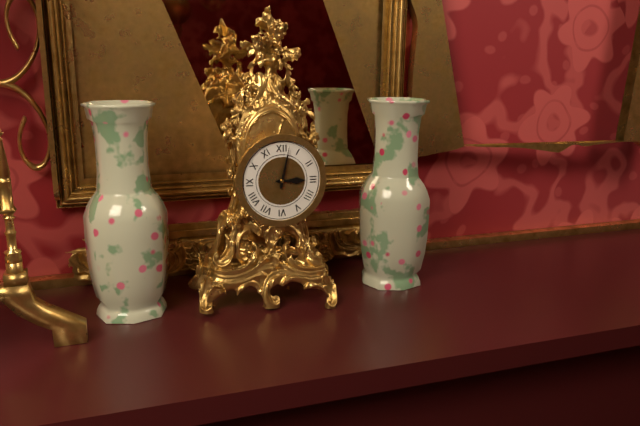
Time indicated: **3:02**
